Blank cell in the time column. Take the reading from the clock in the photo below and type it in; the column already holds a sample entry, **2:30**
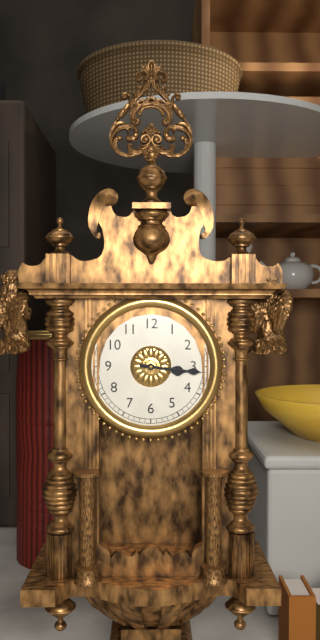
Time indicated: **3:16**
